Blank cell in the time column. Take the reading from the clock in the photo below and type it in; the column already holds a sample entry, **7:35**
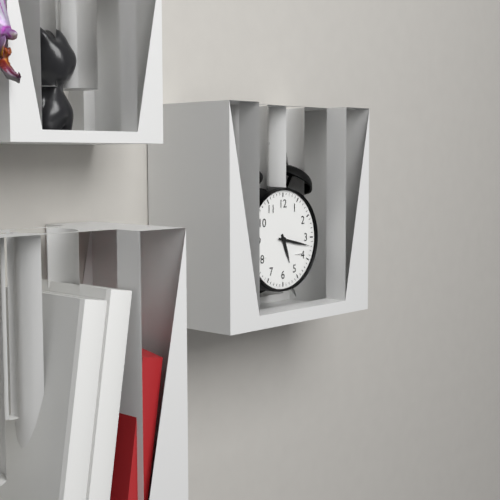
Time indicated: **5:17**
